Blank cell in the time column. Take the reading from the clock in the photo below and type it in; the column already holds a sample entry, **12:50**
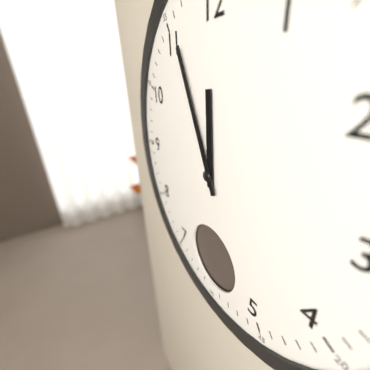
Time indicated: **11:56**
